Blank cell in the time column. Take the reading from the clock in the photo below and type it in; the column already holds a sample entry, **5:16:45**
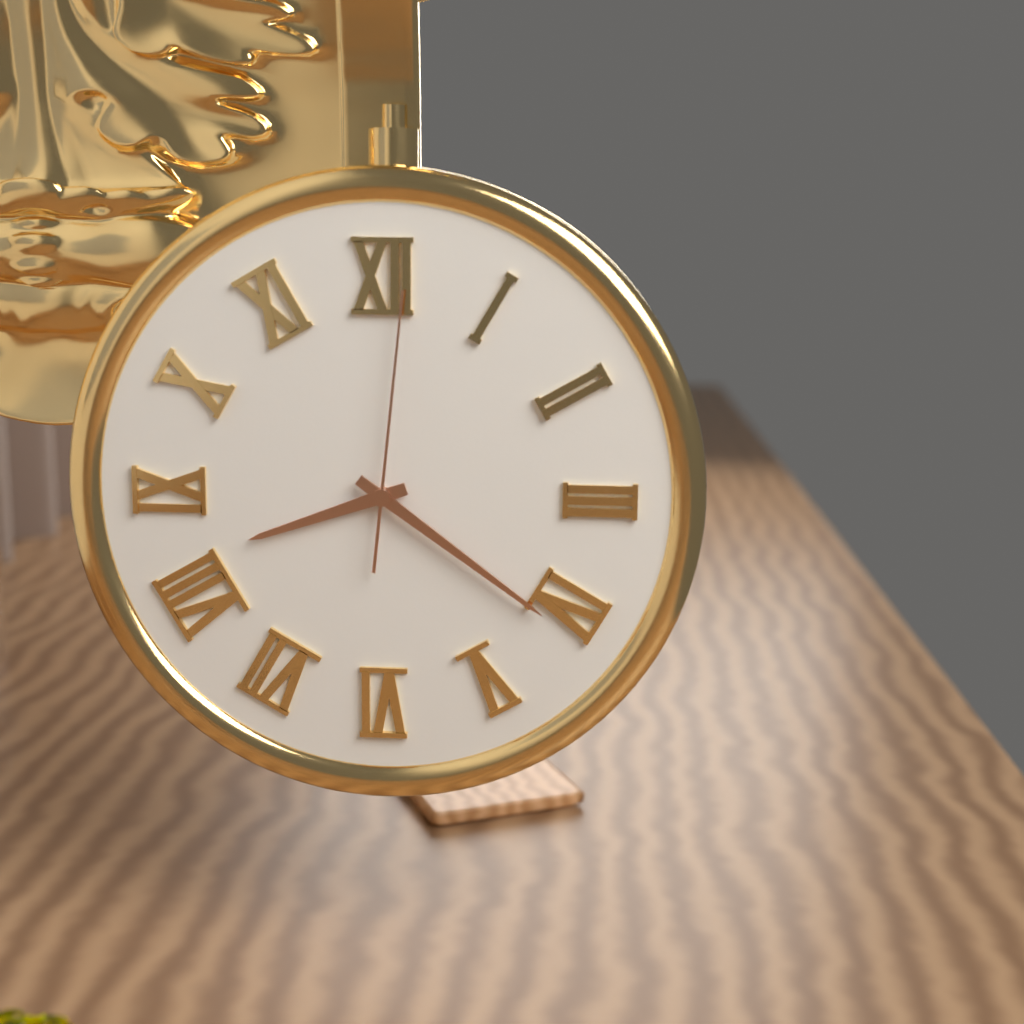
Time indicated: **8:21:01**
